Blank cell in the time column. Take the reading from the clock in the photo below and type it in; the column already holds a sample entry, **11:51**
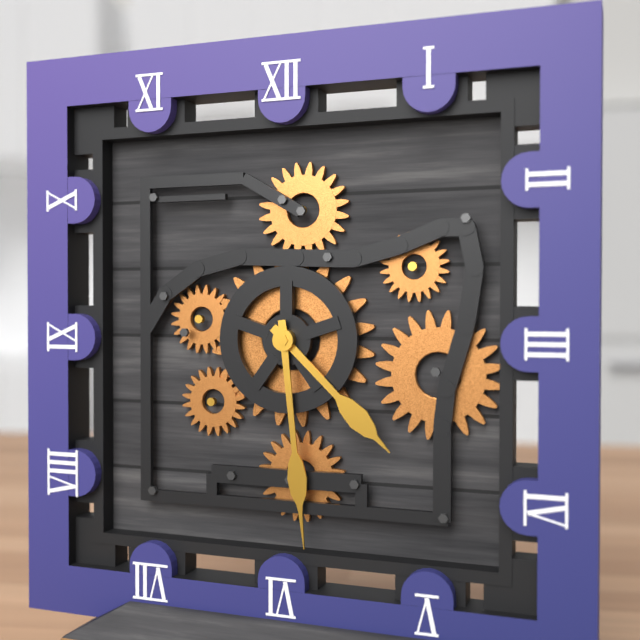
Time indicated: **4:29**
